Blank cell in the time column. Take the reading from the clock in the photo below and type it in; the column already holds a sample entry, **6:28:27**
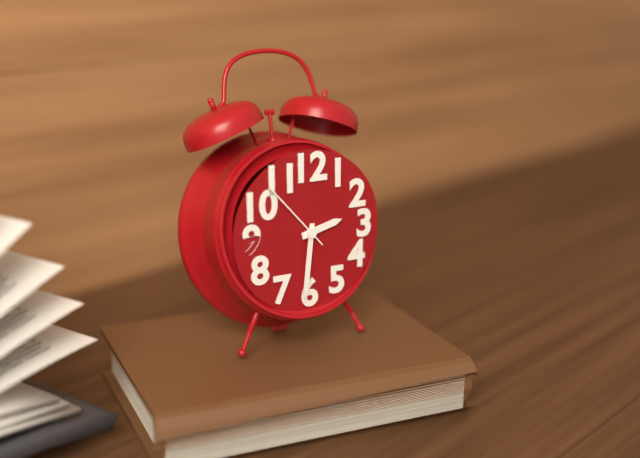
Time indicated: **2:31:53**
